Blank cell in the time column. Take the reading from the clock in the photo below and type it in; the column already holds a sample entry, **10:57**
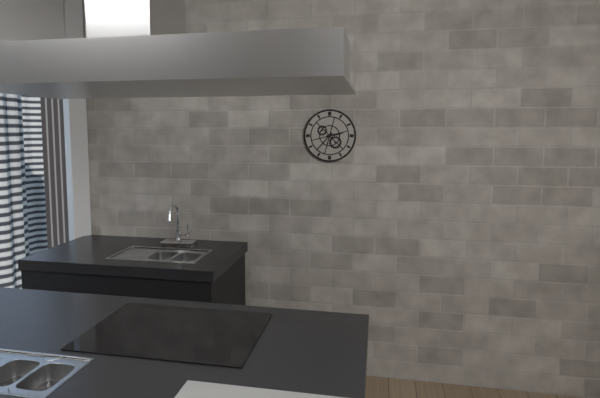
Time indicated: **2:37**
